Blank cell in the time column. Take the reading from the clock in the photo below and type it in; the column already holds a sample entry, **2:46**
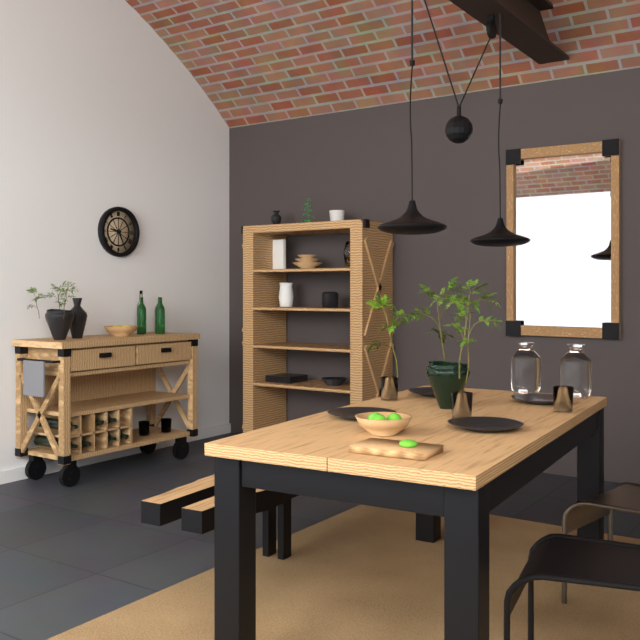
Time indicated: **9:26**
